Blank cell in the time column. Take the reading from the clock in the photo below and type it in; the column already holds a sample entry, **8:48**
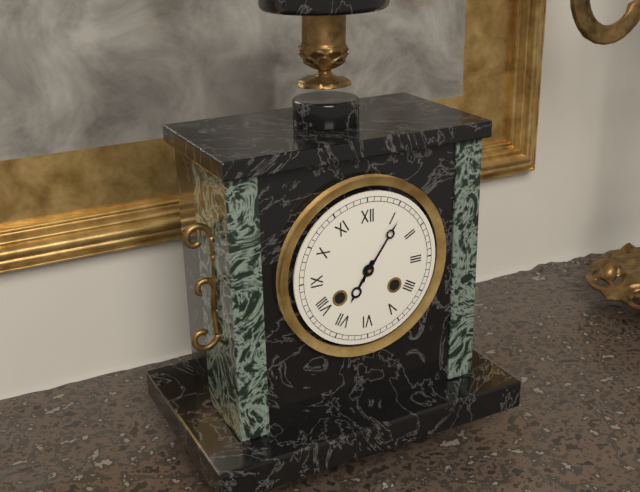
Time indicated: **7:06**
